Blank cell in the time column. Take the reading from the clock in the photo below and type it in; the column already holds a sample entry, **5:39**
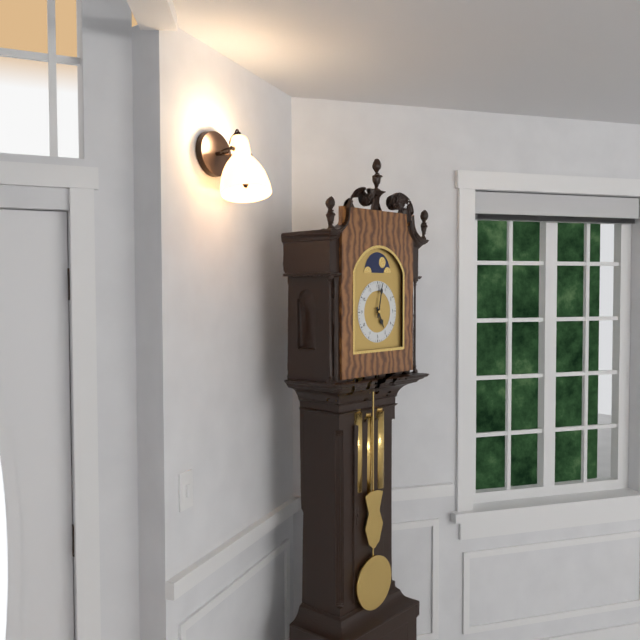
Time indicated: **5:02**
